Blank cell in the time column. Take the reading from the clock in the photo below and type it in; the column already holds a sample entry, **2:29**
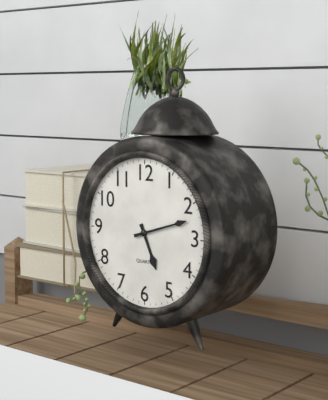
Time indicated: **5:12**
